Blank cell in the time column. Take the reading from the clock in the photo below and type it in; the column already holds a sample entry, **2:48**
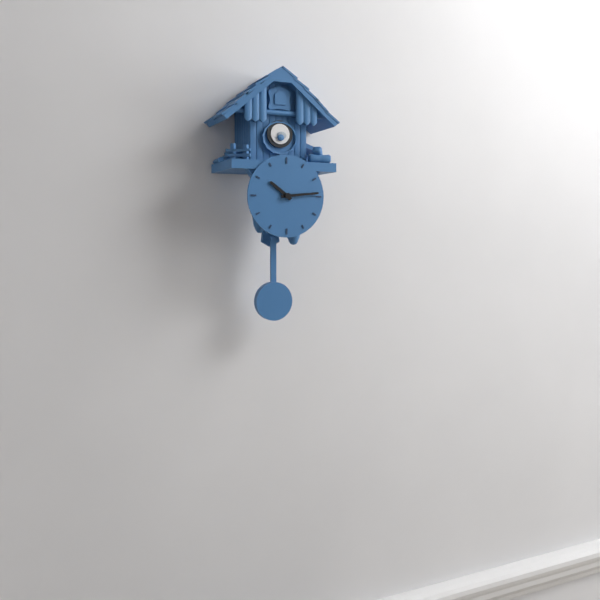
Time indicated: **10:14**
